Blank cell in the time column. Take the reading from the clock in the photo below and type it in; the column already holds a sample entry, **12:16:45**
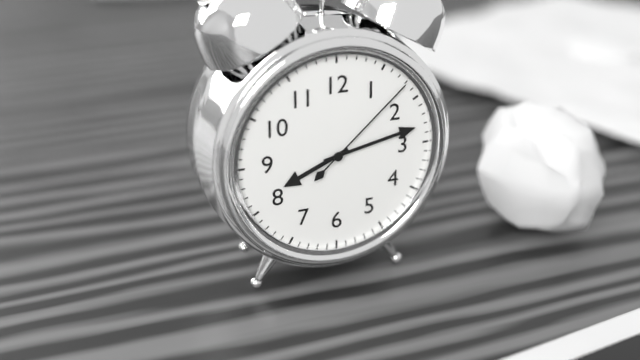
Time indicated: **8:13:08**
